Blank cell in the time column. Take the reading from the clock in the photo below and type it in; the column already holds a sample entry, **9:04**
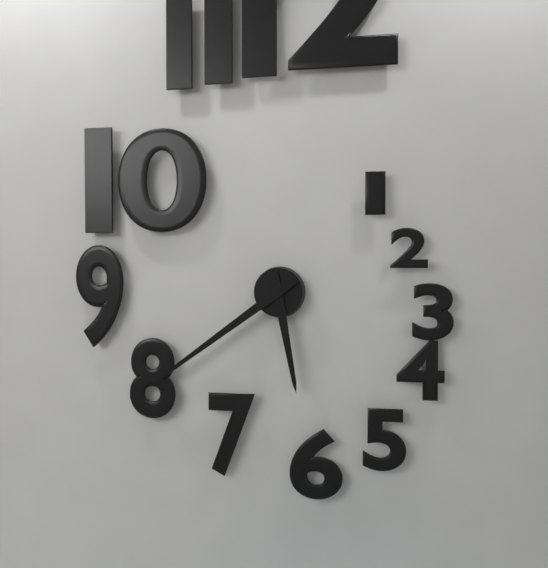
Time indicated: **5:39**
